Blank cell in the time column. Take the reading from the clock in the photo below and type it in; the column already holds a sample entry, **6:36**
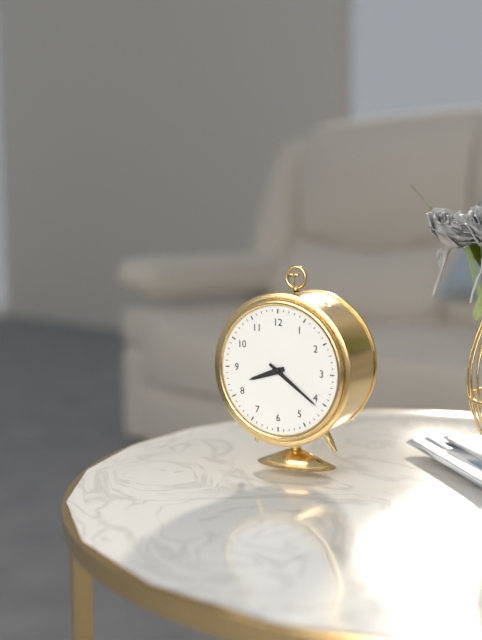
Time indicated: **8:21**
